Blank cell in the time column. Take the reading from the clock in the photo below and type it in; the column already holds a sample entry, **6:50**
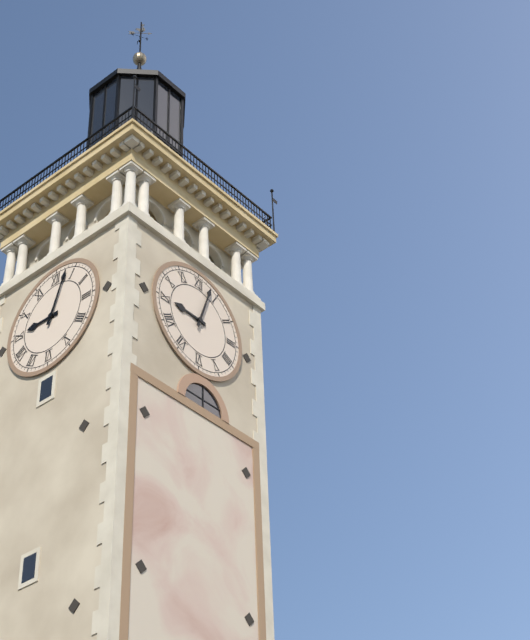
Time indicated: **9:03**
